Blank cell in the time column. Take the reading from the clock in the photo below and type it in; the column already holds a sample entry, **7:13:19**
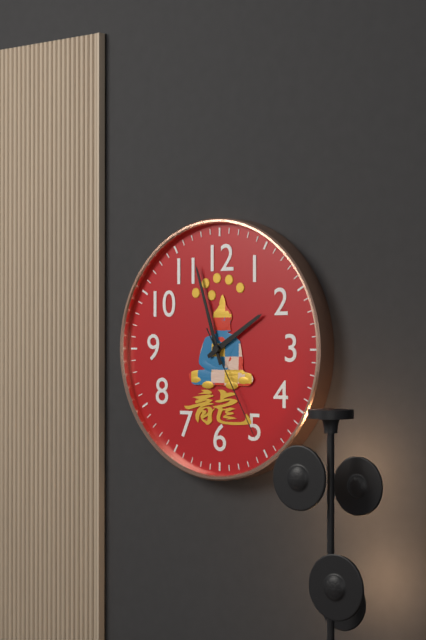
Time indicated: **1:57:25**
